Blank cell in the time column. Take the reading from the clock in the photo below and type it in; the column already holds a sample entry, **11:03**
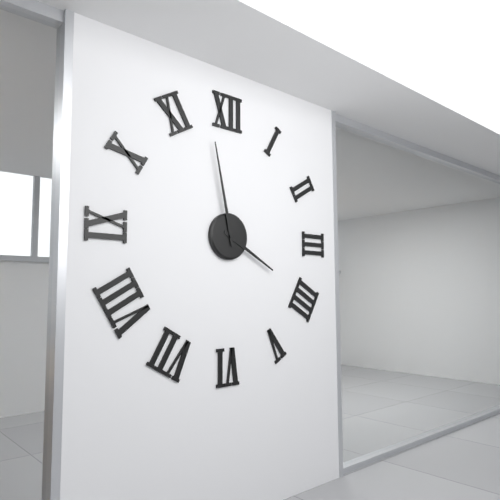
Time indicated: **3:58**
